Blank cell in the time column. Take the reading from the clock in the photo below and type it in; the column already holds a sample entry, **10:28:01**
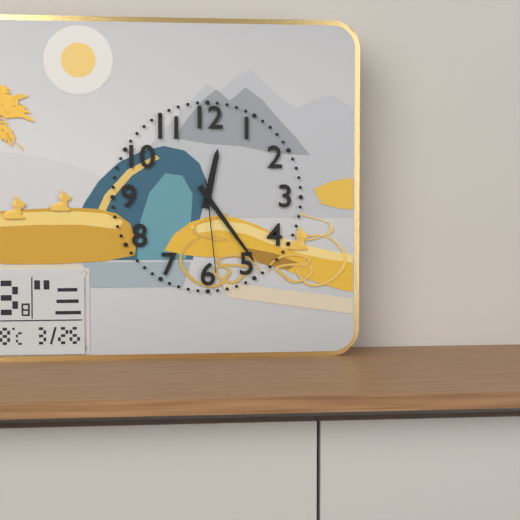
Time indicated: **12:24:29**
